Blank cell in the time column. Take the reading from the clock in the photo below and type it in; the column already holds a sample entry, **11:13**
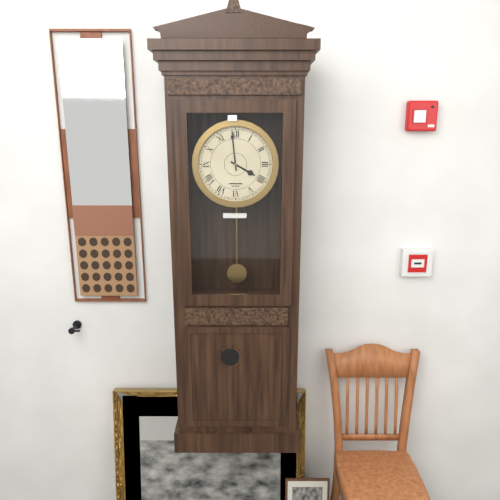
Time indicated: **3:59**
